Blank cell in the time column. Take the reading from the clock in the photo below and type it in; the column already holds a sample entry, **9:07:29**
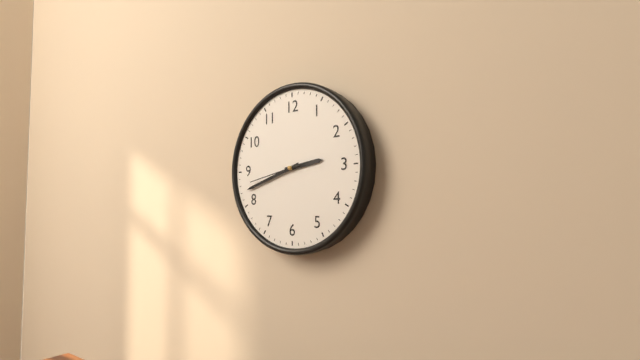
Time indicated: **2:42:43**
